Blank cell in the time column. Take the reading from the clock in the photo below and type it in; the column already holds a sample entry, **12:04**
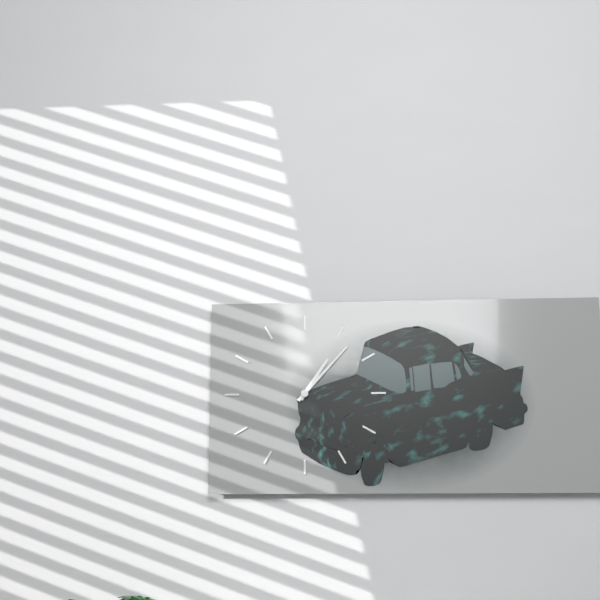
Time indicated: **1:07**
